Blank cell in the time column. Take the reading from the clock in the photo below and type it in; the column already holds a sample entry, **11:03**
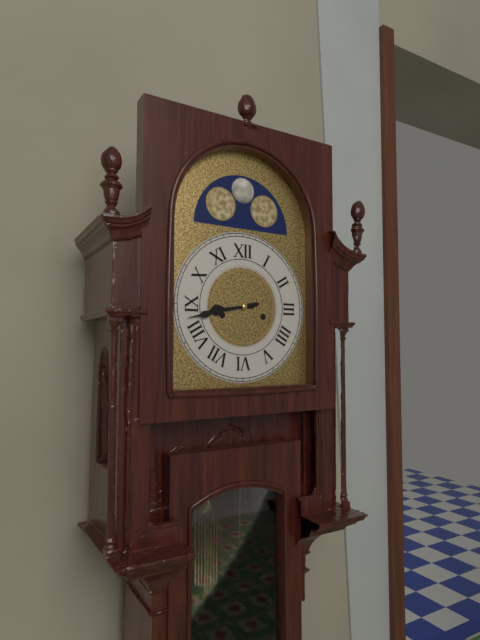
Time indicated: **8:43**
